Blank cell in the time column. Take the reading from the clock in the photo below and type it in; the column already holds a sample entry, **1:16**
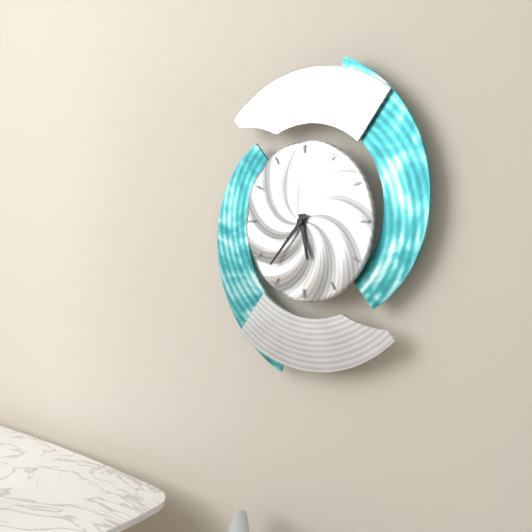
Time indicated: **5:37**
